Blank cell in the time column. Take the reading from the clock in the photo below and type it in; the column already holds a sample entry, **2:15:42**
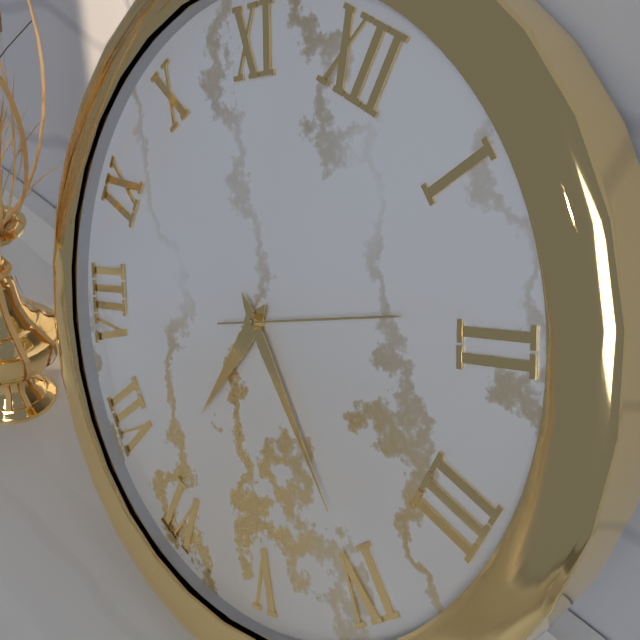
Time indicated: **6:20:09**
